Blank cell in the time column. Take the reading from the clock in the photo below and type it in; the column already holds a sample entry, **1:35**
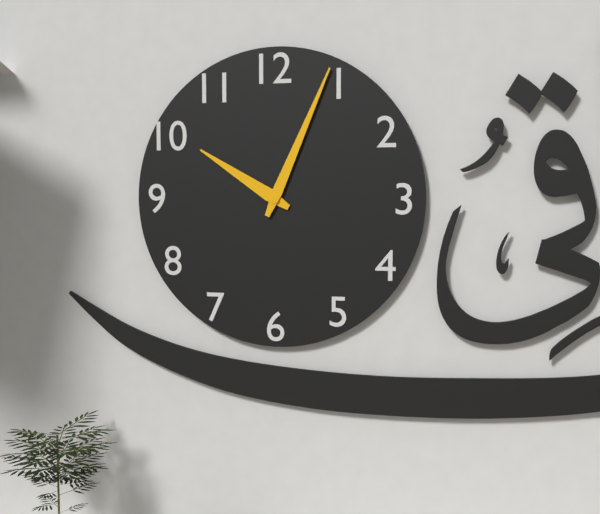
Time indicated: **10:04**
